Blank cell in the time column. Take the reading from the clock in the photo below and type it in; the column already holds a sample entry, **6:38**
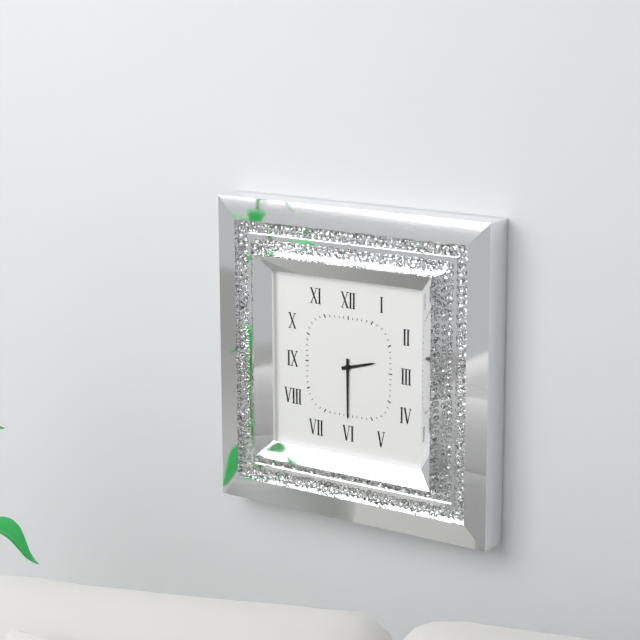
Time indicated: **2:30**
